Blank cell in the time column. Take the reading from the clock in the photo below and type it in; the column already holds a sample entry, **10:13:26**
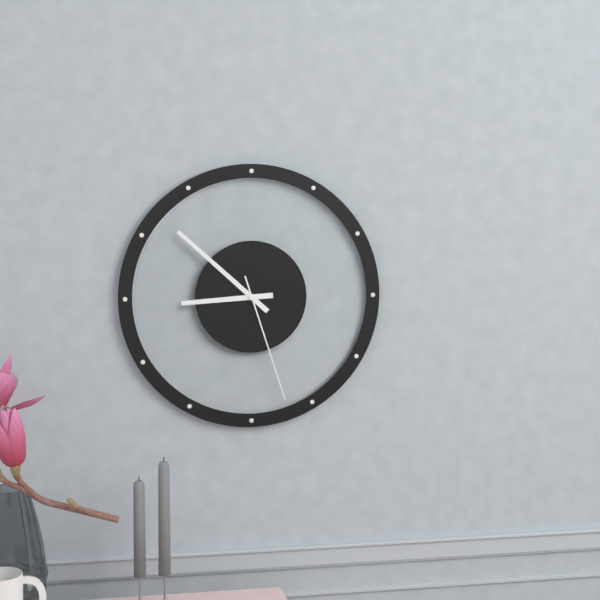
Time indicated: **8:52:27**
